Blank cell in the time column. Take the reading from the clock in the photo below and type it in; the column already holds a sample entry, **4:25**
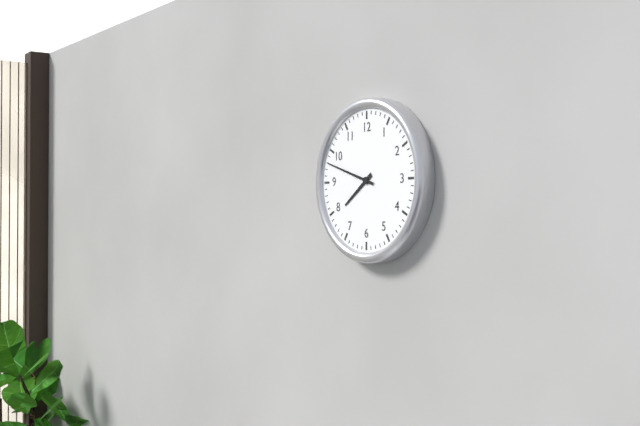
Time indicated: **7:48**
